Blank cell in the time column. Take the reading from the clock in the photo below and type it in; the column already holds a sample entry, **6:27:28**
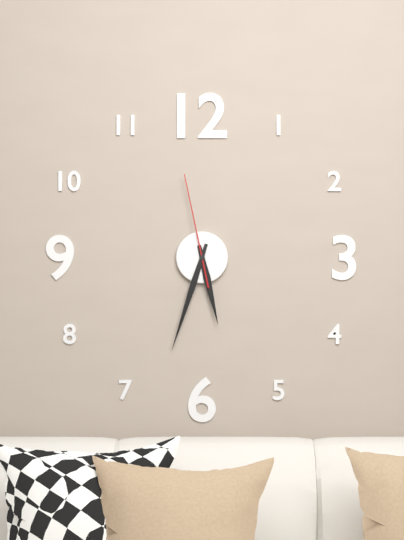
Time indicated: **5:33:58**
